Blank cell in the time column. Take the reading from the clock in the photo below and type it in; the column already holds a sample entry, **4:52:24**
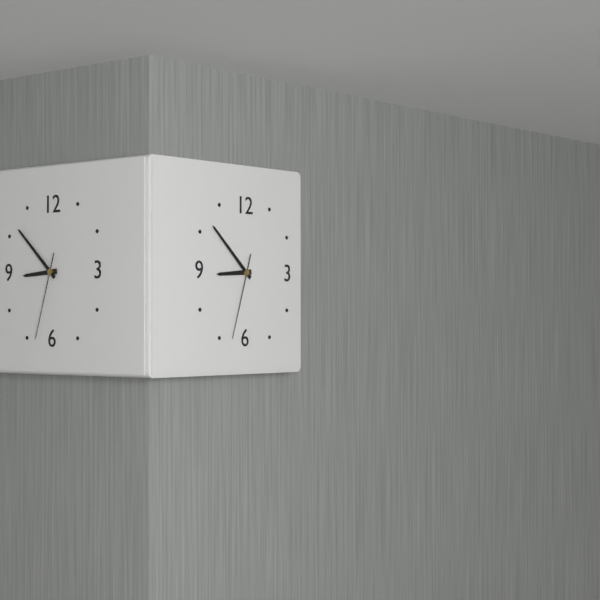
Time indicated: **8:52:33**
